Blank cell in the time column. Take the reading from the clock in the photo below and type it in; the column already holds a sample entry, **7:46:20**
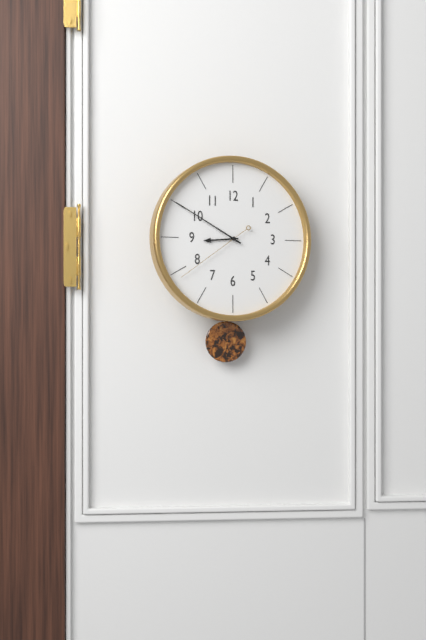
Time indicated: **8:50:39**
